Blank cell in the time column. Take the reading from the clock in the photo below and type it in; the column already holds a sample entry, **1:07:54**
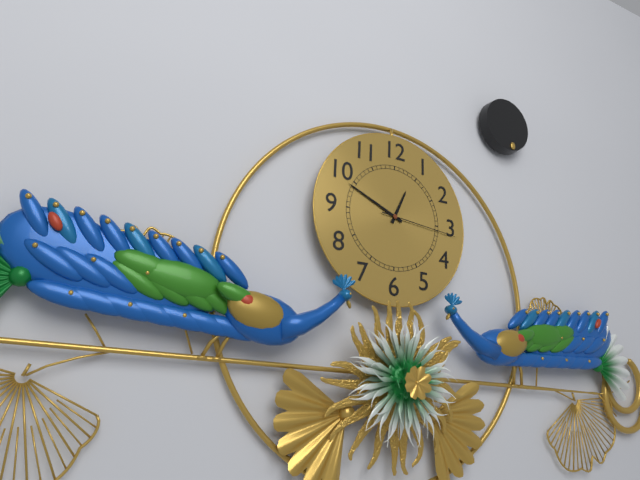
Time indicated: **12:49:16**
